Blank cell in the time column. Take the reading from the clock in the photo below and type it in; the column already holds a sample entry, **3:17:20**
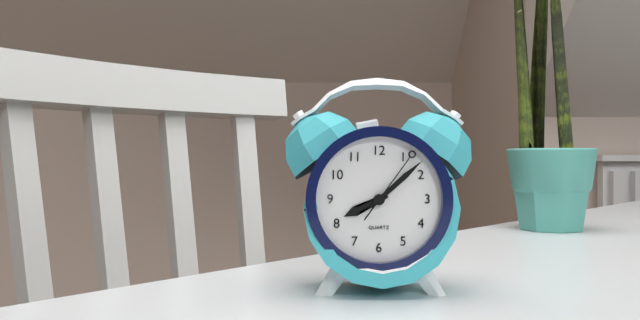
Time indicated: **8:08:06**
